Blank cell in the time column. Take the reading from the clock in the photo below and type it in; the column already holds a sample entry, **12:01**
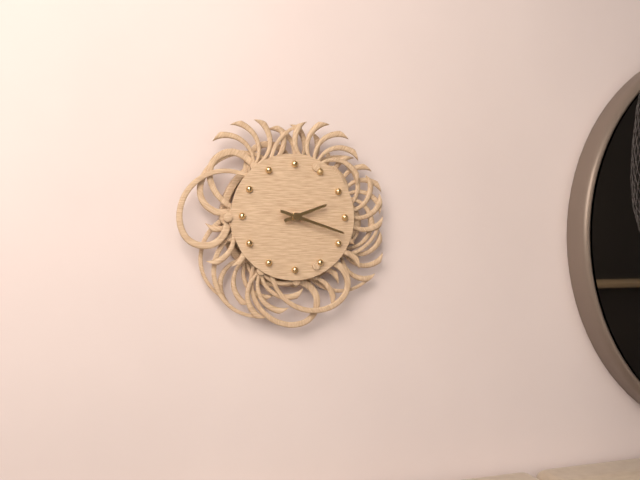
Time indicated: **2:18**
